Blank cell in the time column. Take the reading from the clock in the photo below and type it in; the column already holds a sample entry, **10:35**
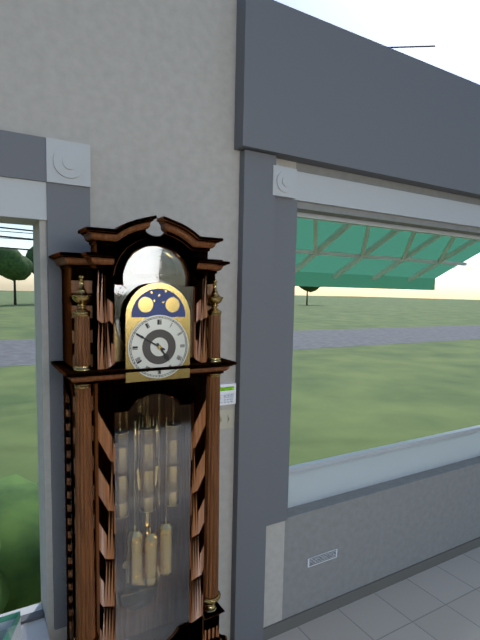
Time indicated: **4:50**
